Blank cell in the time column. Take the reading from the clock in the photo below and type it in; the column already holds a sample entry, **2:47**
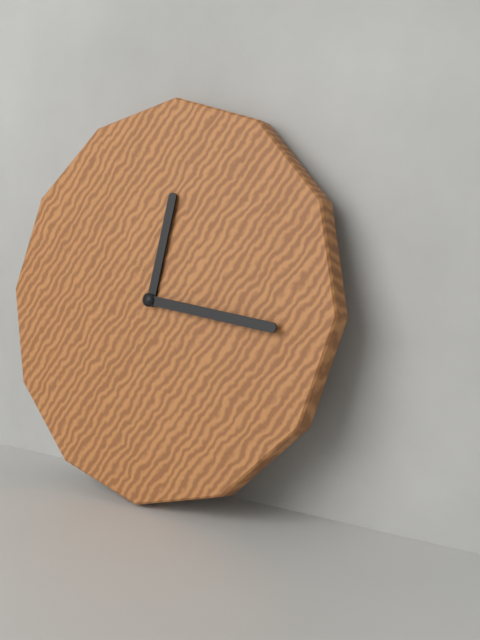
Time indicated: **12:16**
